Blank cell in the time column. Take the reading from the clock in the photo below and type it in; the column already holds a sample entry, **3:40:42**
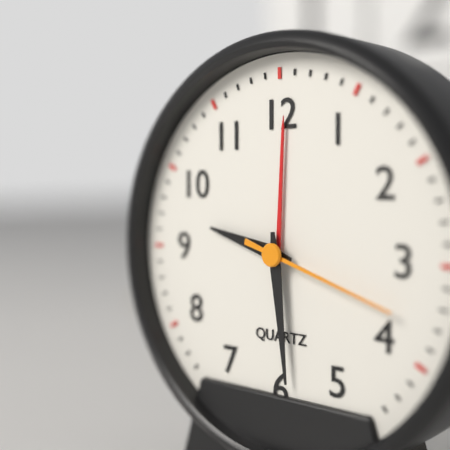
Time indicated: **9:29:18**
